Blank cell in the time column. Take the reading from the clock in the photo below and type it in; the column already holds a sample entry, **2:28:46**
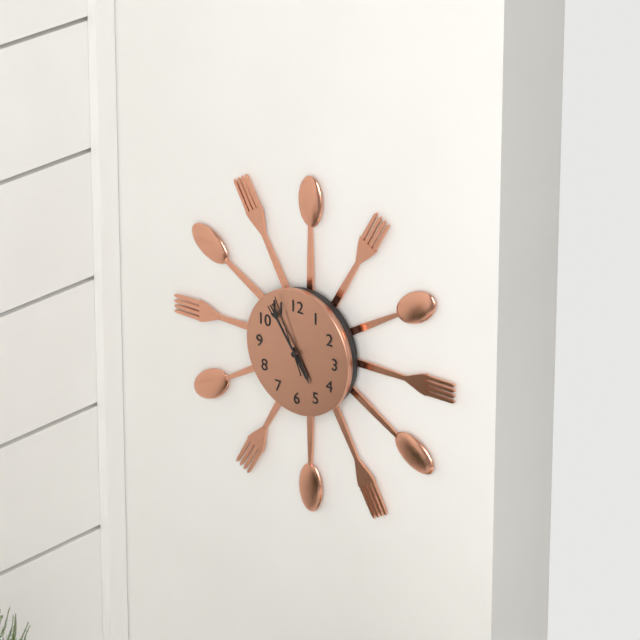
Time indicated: **4:54:56**
